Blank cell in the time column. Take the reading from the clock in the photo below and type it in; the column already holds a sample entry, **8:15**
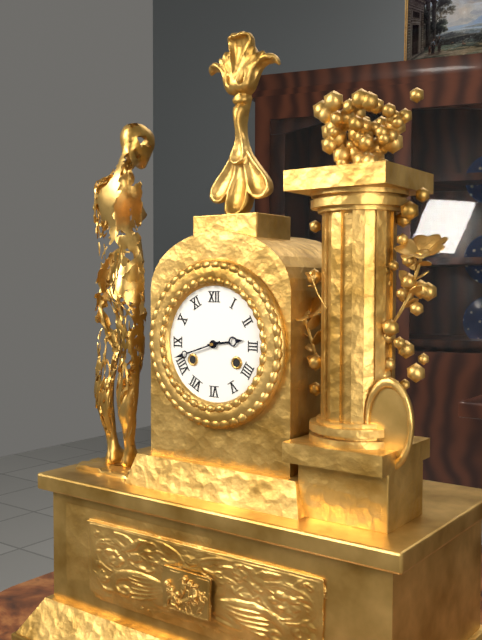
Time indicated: **2:42**
